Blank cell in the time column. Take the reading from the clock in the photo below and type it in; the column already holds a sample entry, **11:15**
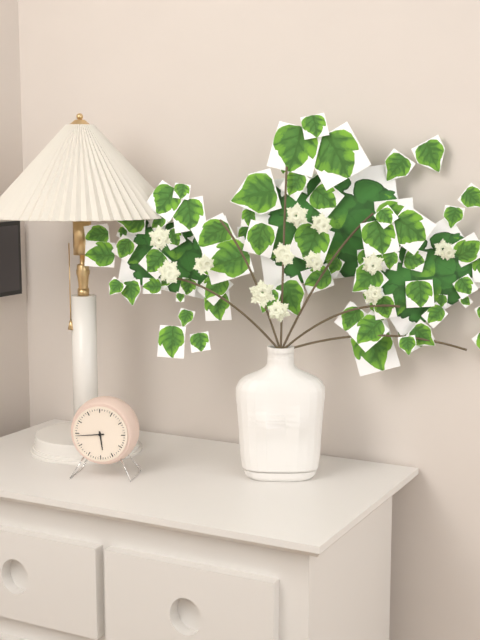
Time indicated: **5:44**
